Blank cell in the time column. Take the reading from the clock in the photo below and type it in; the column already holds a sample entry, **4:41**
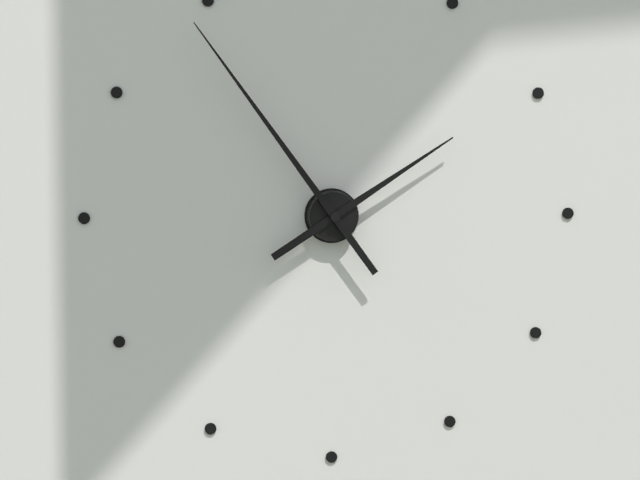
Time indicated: **1:54**
